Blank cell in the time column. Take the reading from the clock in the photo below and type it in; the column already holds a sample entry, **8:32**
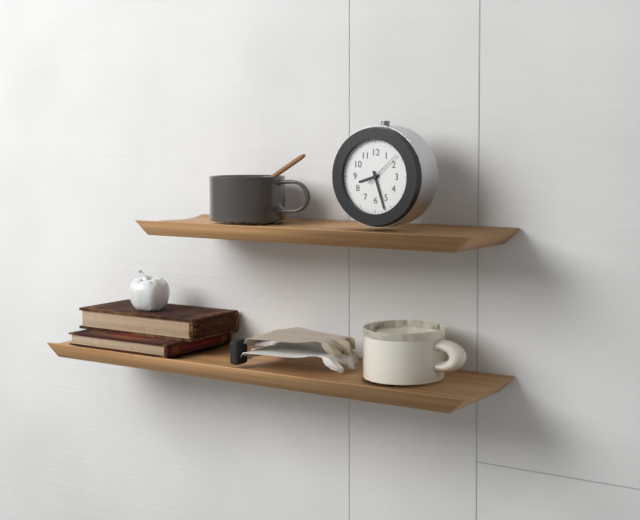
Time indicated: **8:27**
